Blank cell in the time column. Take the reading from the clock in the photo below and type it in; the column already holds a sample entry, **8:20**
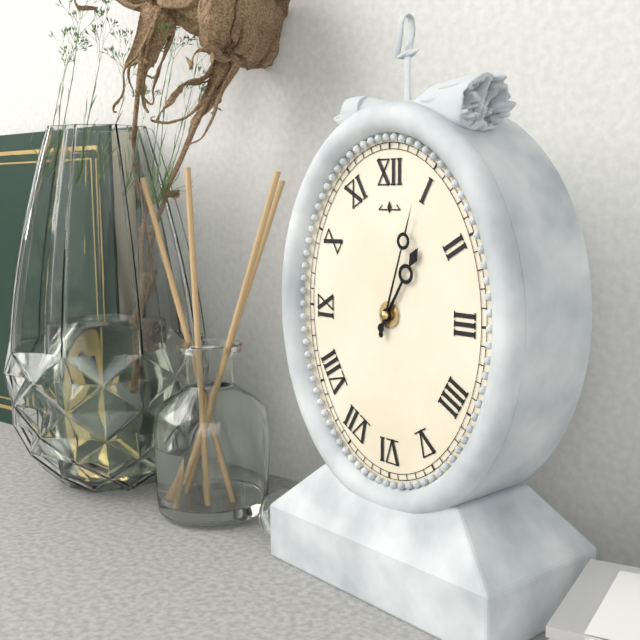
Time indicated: **1:03**
